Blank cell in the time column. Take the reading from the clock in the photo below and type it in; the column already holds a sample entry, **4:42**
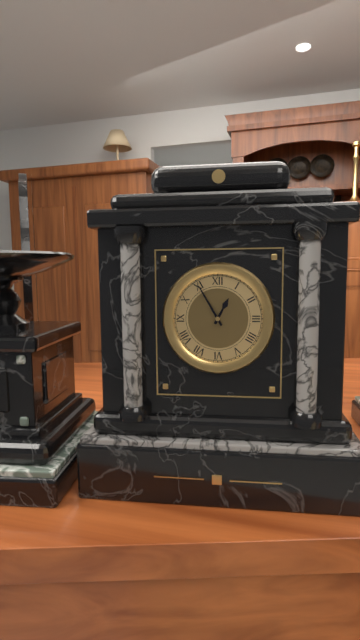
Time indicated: **12:55**
